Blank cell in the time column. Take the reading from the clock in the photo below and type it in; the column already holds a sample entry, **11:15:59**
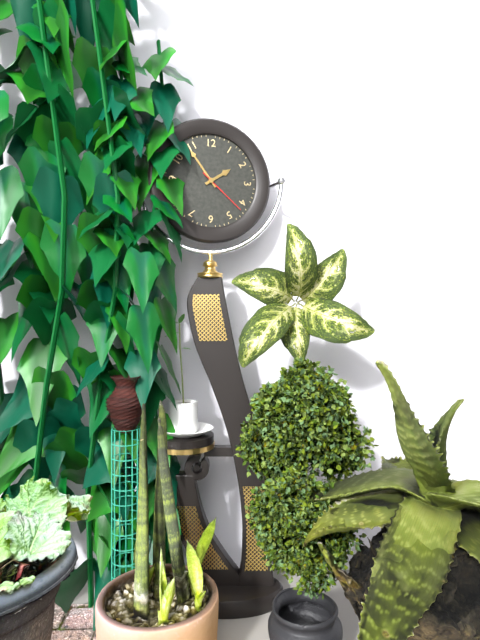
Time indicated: **1:54:22**
